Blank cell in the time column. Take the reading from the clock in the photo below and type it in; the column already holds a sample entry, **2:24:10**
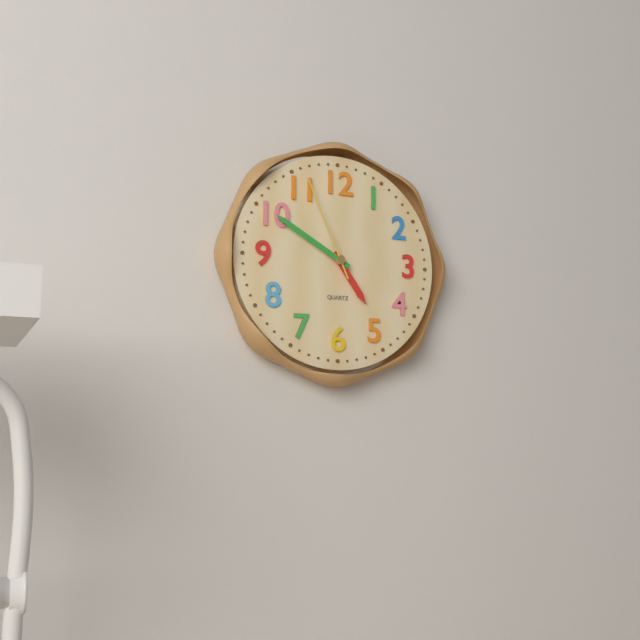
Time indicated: **4:50:56**
